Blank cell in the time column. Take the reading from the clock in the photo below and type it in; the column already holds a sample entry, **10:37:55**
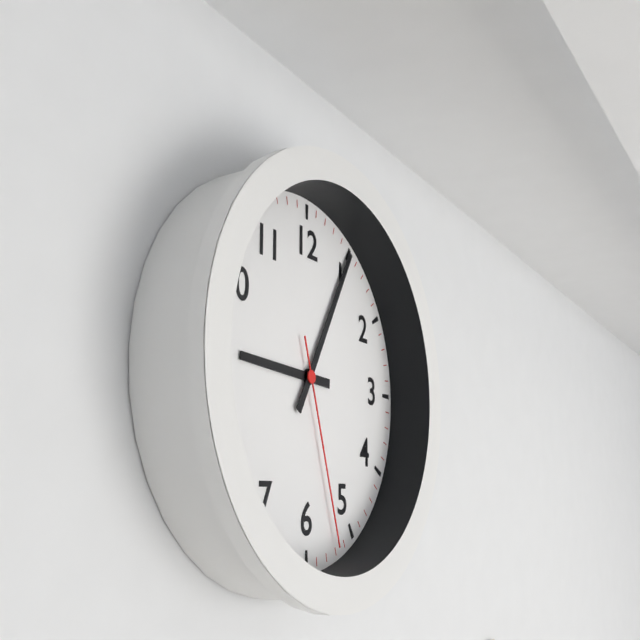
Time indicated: **9:05:27**
